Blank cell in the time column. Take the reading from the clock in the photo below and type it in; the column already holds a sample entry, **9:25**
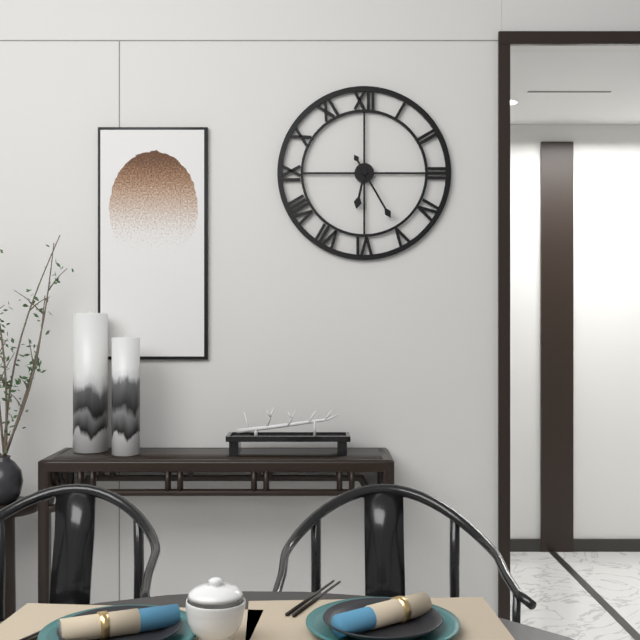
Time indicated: **6:25**
